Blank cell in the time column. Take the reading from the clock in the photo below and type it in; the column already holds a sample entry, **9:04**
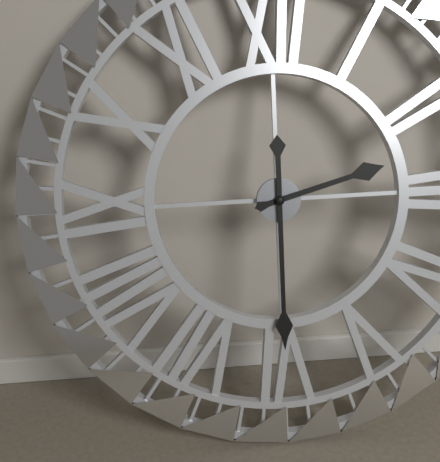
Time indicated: **2:30**
